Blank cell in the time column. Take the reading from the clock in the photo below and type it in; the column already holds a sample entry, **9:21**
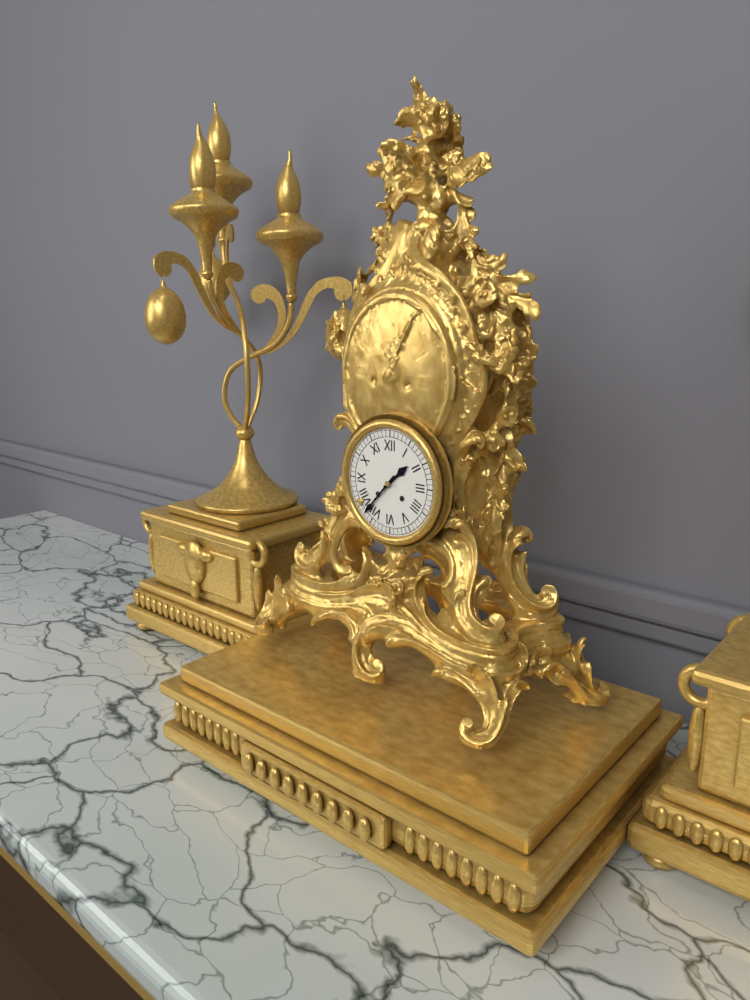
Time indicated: **1:37**
